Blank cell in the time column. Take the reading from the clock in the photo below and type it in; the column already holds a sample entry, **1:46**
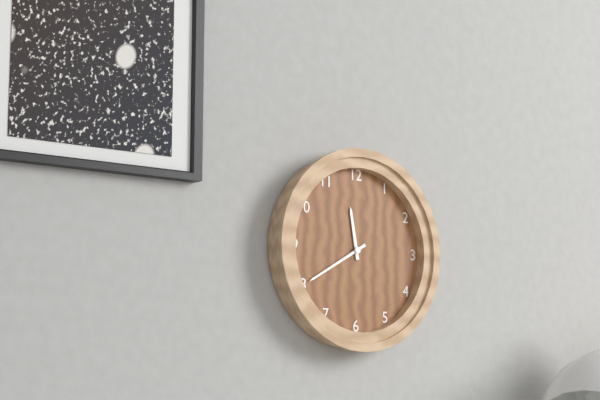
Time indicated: **11:40**
